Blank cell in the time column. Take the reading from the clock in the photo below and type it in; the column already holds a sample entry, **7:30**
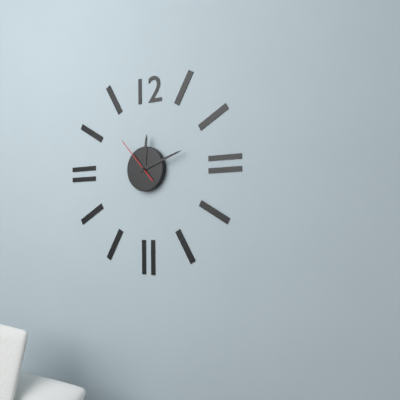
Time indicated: **12:12**
